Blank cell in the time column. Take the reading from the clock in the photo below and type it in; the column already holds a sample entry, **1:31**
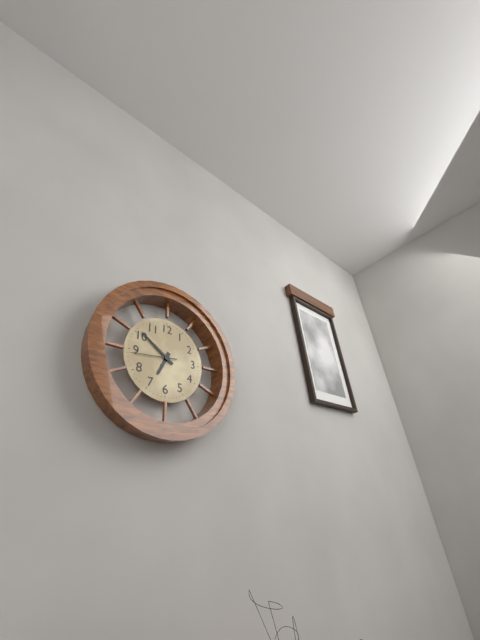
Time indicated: **6:51**
